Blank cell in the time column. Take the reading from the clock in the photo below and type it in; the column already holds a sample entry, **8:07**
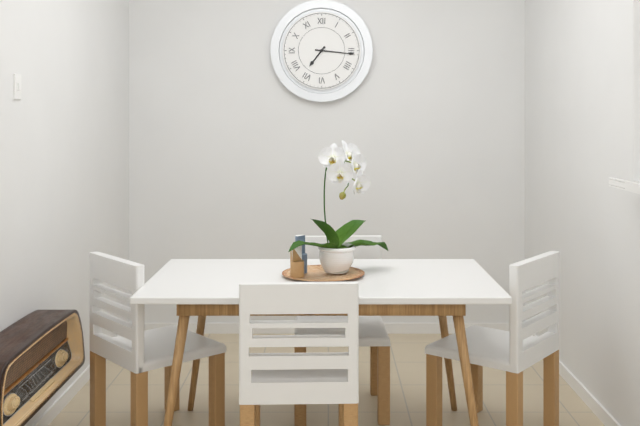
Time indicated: **7:16**
